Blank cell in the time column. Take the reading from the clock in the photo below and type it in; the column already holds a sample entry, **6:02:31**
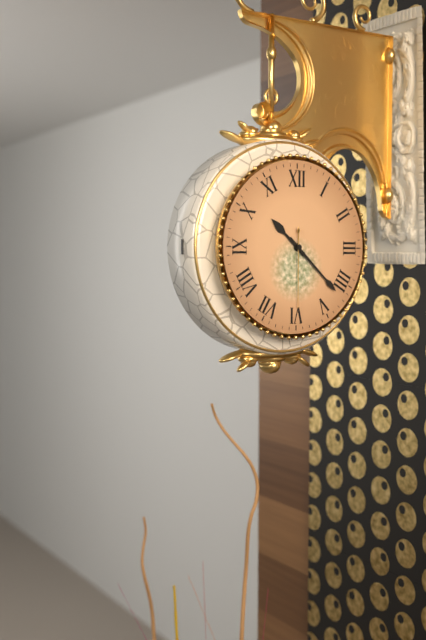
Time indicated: **10:22:30**
